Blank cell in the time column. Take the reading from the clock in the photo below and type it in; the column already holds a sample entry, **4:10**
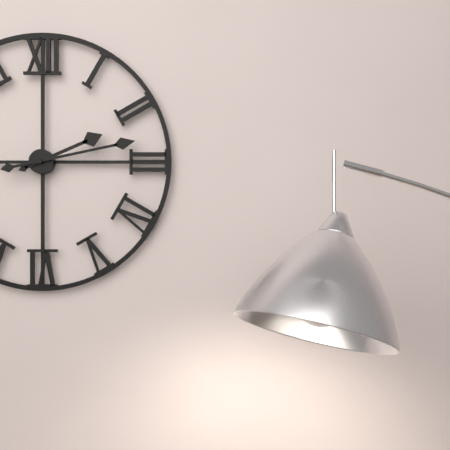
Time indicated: **2:13**
